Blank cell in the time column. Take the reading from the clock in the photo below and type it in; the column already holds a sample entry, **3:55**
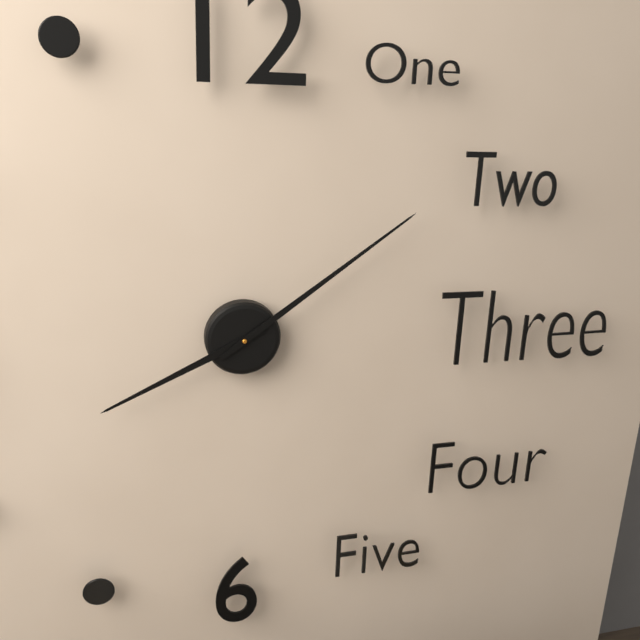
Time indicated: **8:09**
